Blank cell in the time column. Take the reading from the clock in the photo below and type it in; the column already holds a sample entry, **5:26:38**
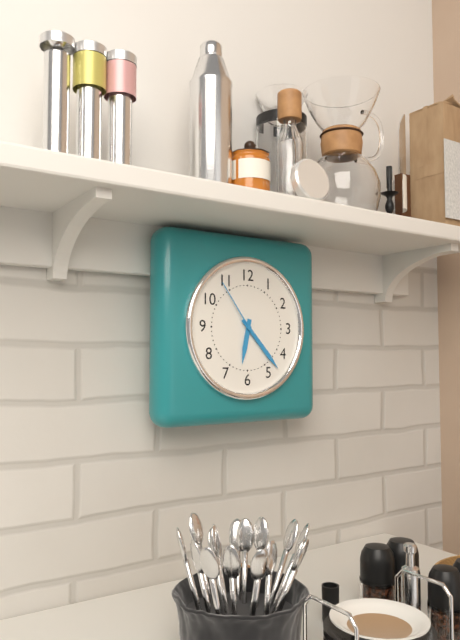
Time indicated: **6:23:54**
